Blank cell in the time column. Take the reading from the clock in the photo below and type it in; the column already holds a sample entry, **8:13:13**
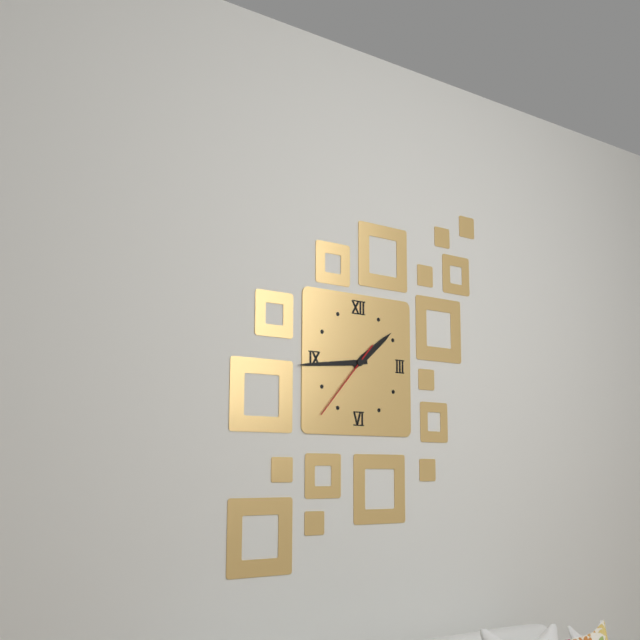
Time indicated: **1:44:37**
